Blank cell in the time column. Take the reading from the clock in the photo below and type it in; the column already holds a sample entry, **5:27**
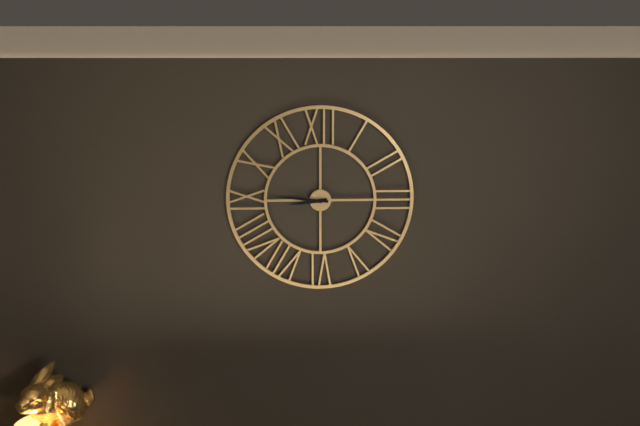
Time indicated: **8:46**
